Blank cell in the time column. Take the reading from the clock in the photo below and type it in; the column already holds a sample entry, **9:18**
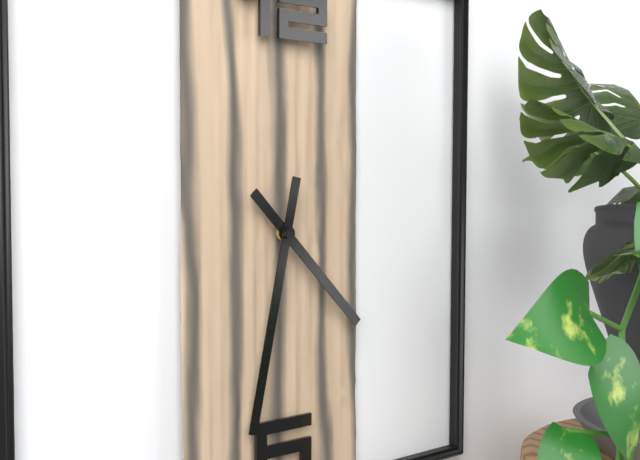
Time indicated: **4:32**
